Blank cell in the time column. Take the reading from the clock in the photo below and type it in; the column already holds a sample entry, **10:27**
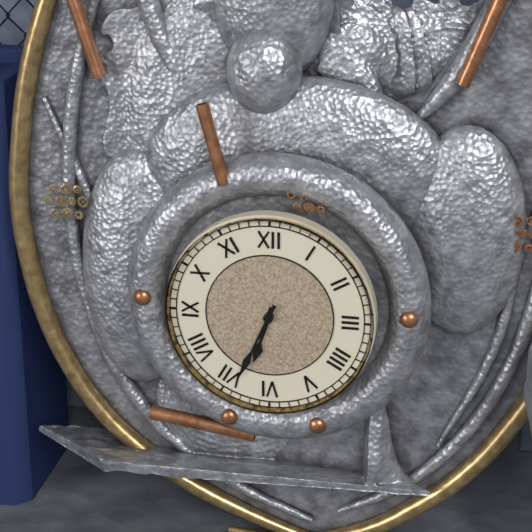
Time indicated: **6:34**
